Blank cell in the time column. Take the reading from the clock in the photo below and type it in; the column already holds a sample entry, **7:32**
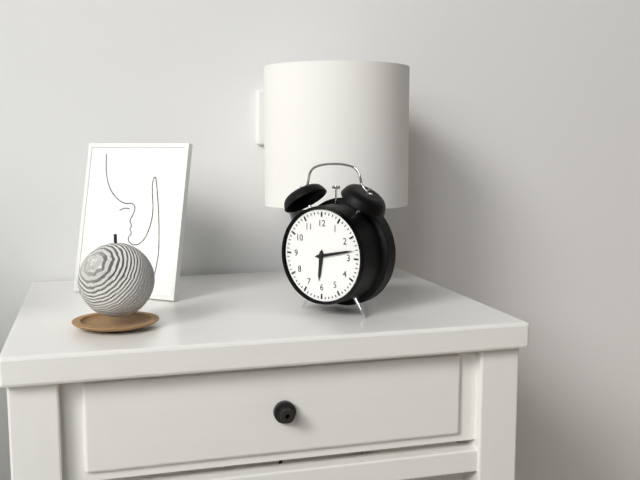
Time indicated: **6:13**
